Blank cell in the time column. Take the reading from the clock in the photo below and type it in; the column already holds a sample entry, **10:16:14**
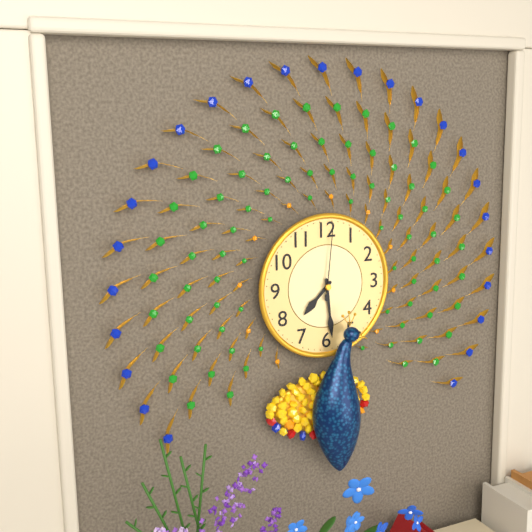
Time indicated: **7:29:01**
